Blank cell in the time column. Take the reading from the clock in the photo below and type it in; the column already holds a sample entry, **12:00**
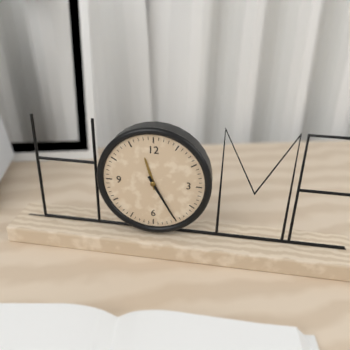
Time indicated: **11:25**
